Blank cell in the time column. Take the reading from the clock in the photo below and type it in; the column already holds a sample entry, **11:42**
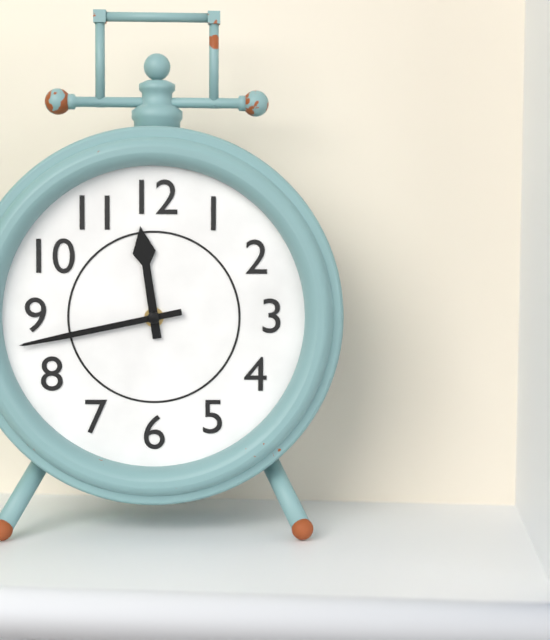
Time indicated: **11:43**
